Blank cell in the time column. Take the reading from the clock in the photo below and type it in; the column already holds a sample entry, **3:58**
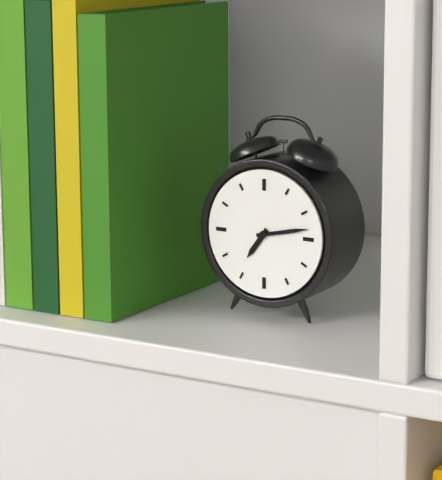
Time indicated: **7:13**
